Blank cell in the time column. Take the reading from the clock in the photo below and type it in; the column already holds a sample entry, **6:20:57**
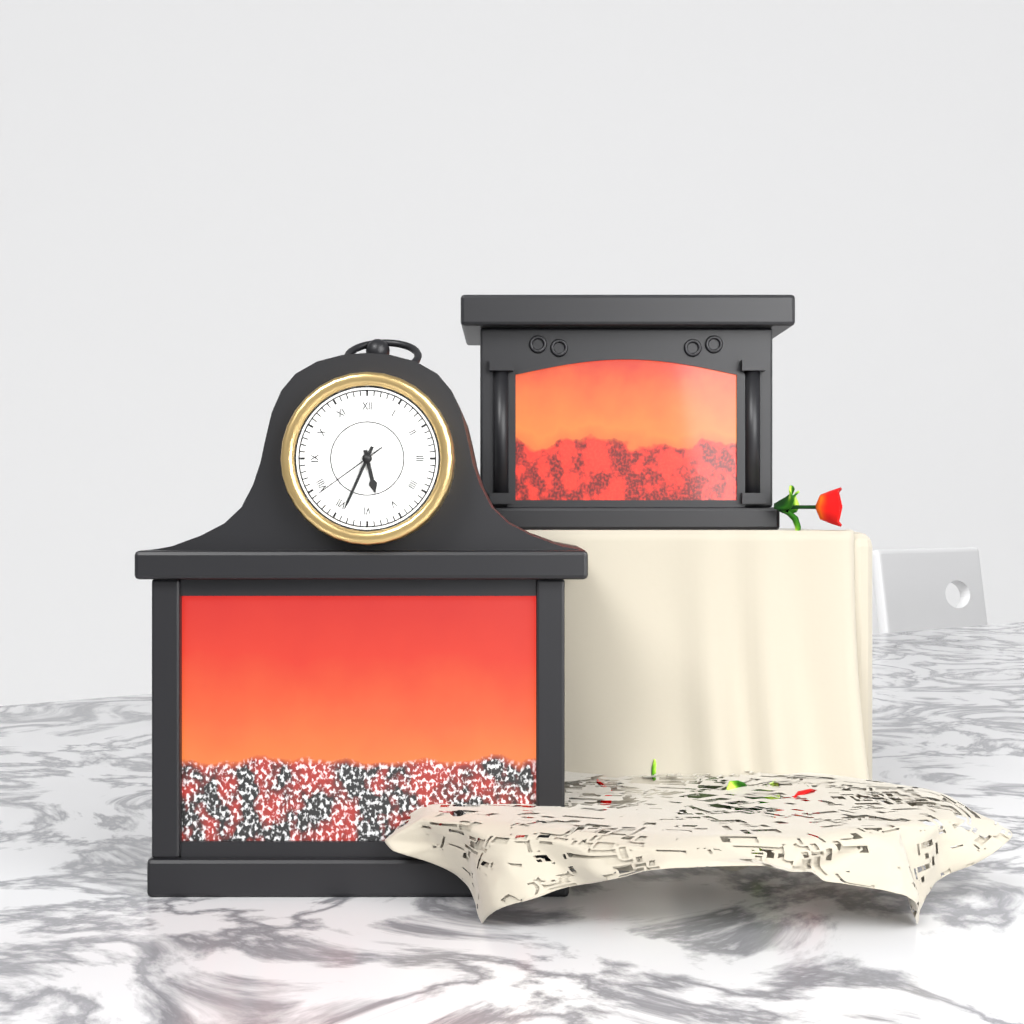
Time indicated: **5:34:39**
